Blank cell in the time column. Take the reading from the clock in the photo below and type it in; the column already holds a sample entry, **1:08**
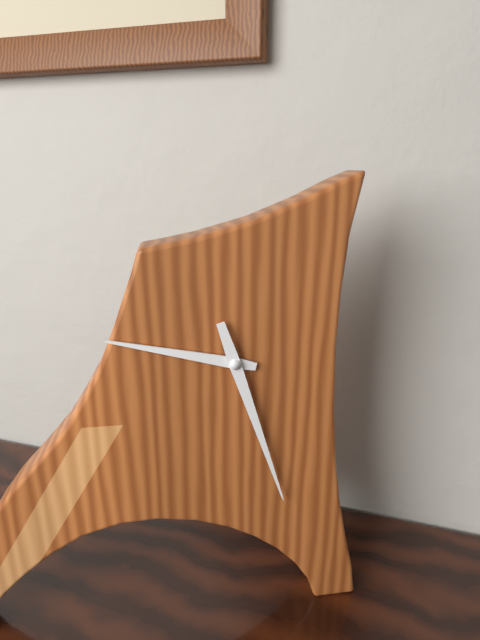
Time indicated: **9:27**
